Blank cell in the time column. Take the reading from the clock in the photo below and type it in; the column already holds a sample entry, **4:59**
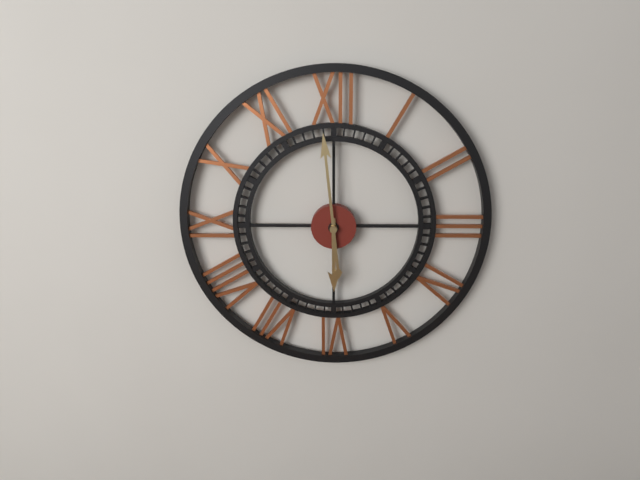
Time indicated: **5:59**
